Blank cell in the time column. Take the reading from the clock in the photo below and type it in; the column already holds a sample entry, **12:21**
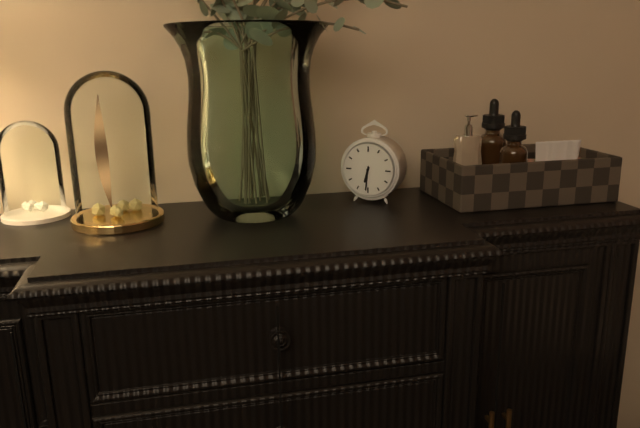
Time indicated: **6:31**
